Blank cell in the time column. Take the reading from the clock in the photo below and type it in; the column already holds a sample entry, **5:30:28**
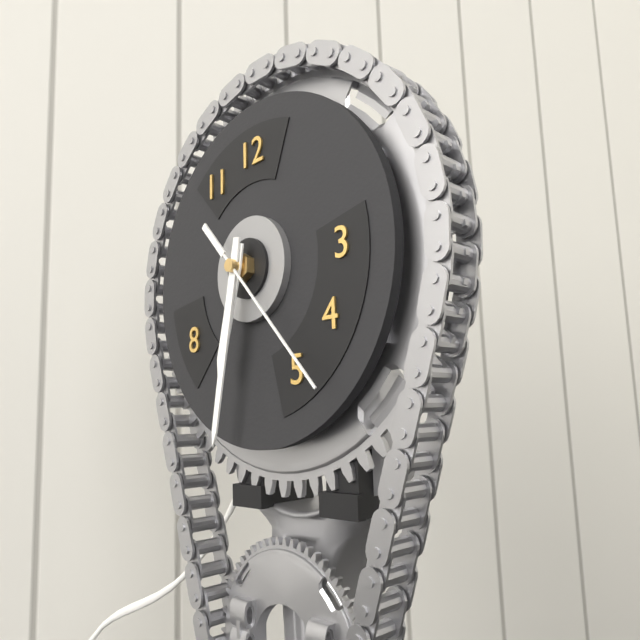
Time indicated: **6:32:23**
